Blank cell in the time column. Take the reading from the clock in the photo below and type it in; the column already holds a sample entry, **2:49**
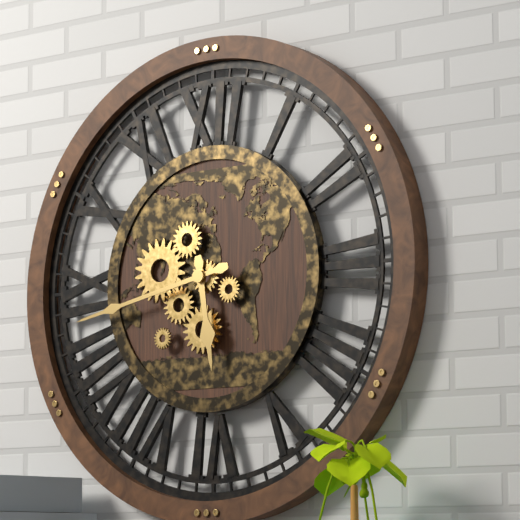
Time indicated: **5:43**
